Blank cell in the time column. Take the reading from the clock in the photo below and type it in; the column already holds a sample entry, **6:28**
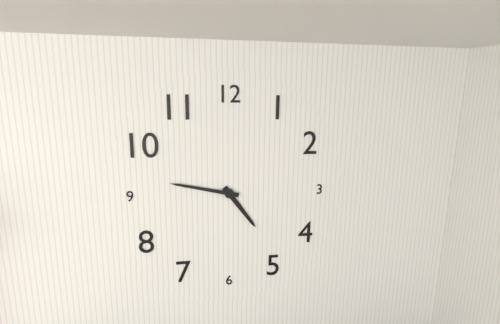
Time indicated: **4:47**
